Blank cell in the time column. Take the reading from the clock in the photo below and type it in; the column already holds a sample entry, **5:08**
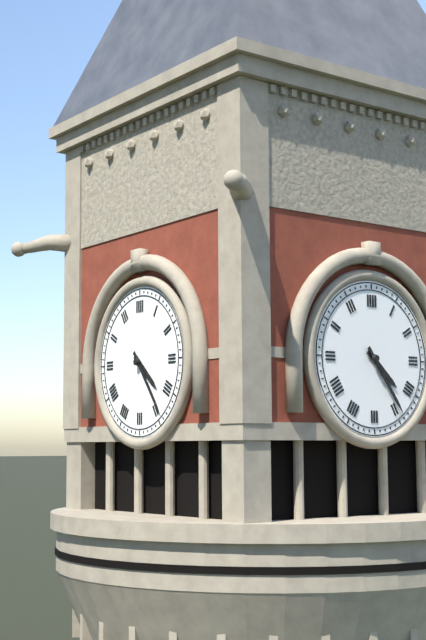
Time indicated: **4:24**
